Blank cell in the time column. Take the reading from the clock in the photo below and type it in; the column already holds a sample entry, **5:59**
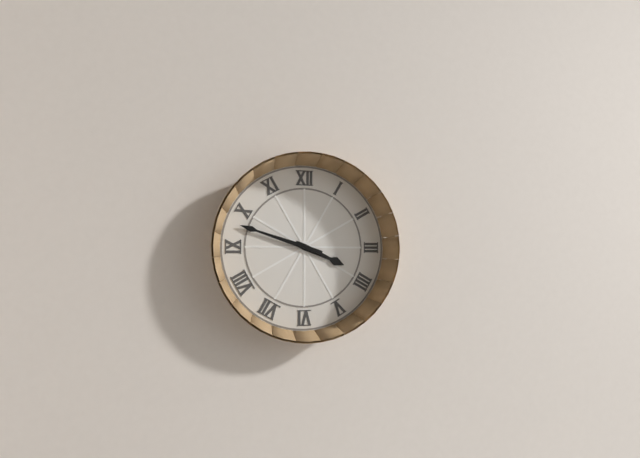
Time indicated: **3:48**
